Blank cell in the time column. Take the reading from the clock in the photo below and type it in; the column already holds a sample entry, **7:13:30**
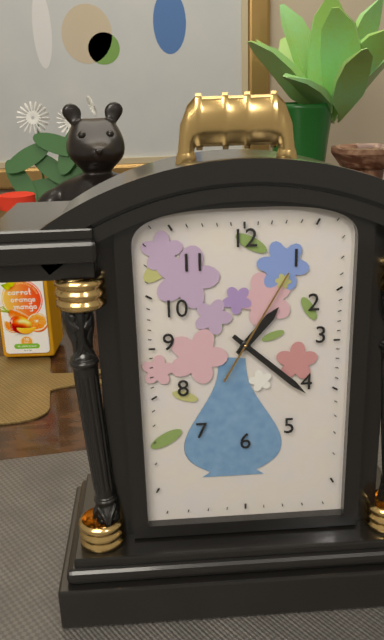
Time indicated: **1:22:05**
